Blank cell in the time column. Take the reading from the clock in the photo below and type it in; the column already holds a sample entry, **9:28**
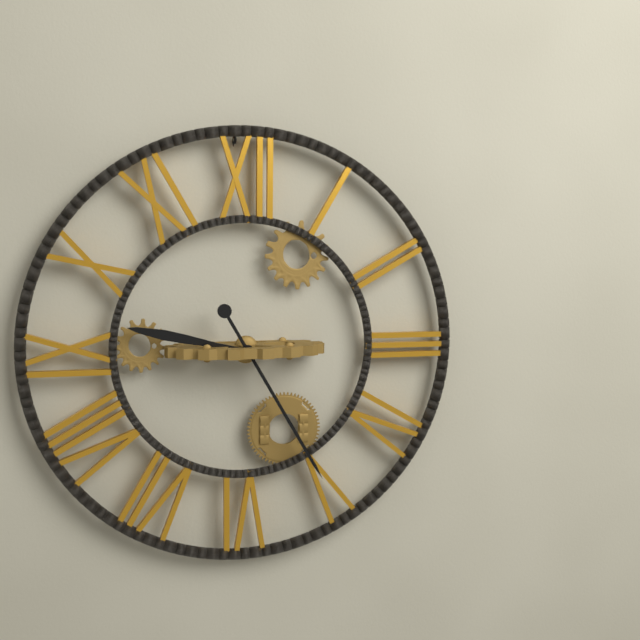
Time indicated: **9:25**
